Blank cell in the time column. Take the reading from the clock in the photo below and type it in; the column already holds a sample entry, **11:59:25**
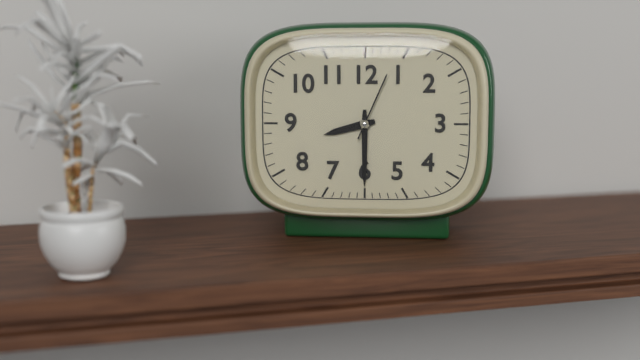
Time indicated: **8:30:04**
